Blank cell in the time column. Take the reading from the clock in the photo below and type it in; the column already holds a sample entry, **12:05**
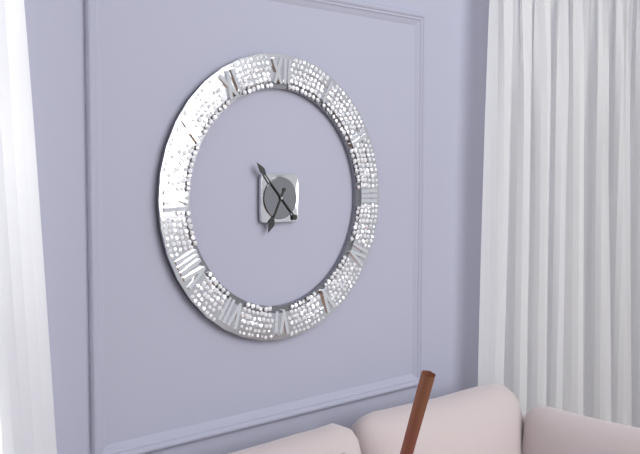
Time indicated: **6:53**
